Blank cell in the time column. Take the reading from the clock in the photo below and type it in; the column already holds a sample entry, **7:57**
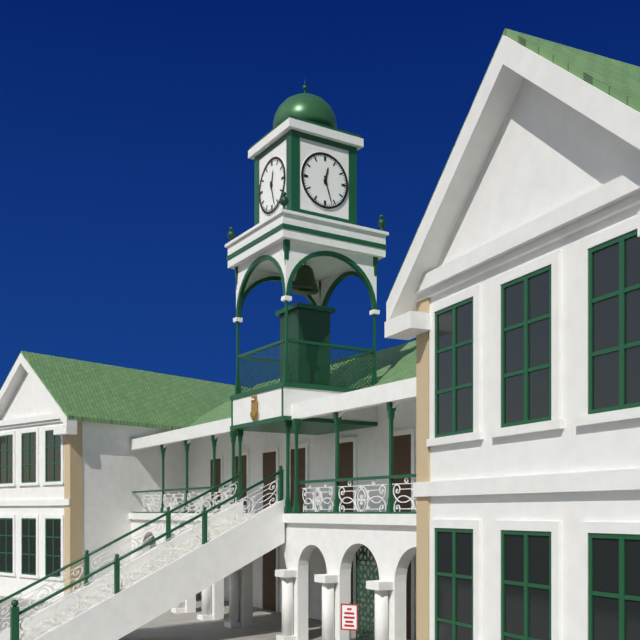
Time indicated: **12:27**
